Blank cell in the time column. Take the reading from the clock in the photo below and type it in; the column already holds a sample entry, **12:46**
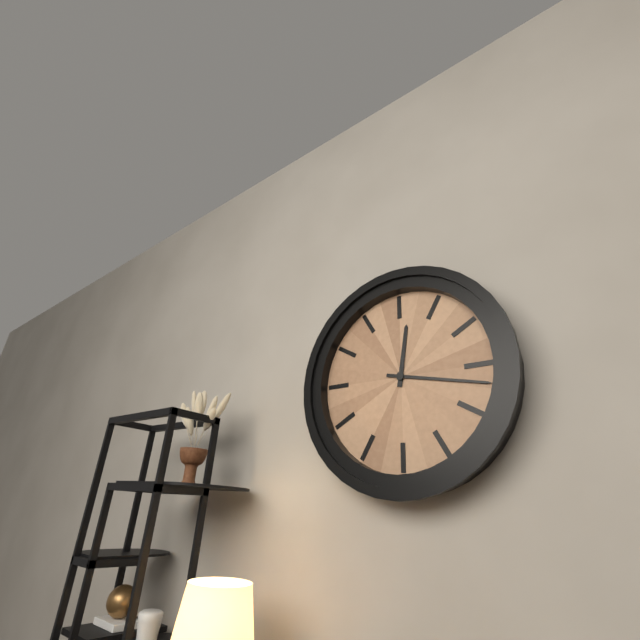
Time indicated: **12:17**
